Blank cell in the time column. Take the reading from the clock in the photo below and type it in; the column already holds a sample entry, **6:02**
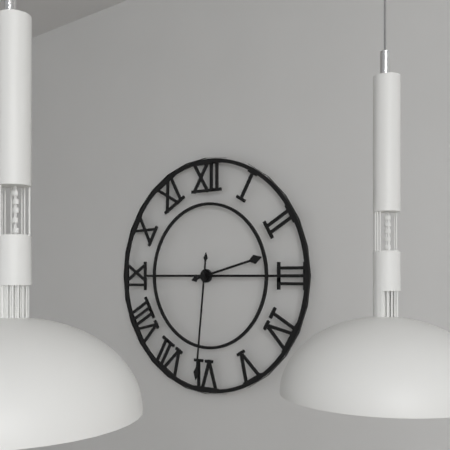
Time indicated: **2:31**
